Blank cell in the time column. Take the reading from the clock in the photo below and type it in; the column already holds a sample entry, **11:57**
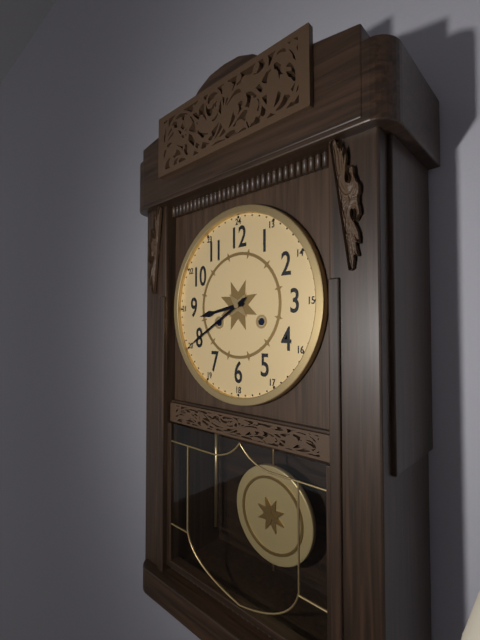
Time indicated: **8:40**
